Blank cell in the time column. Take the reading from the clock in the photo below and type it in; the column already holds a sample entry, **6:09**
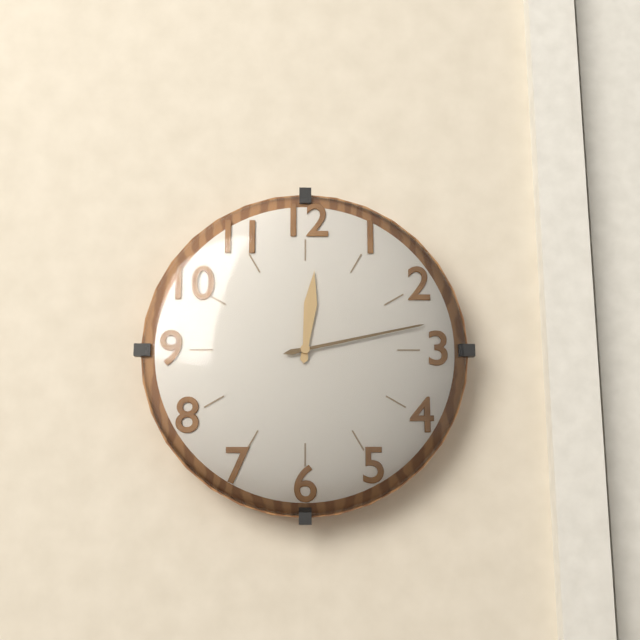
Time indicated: **12:13**
